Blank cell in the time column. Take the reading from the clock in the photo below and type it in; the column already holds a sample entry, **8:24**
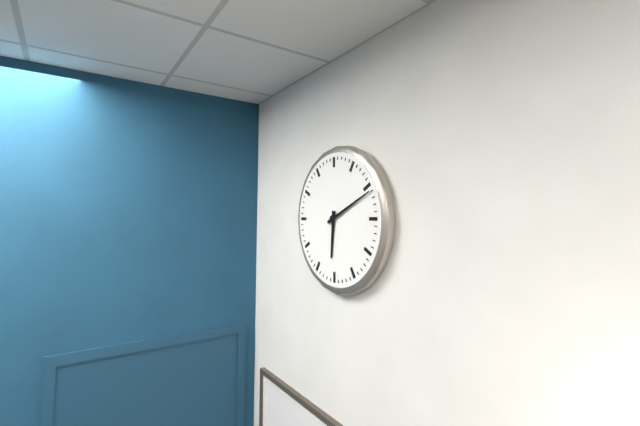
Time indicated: **6:11**
